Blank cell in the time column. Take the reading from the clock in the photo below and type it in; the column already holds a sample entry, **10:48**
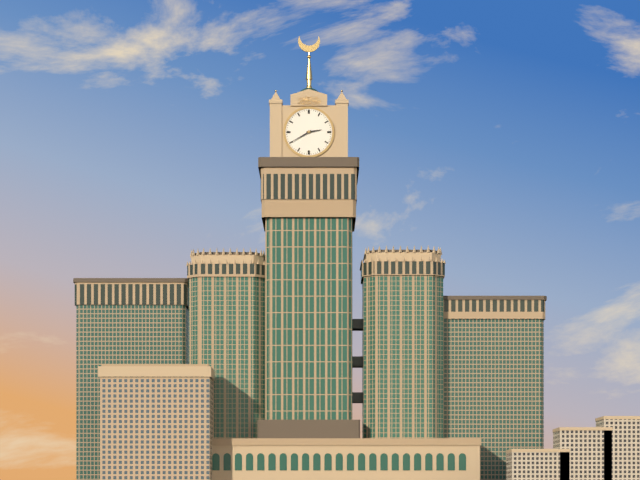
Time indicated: **2:40**
